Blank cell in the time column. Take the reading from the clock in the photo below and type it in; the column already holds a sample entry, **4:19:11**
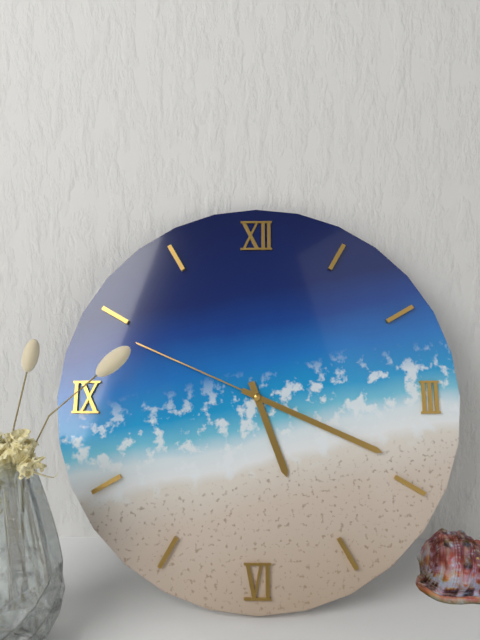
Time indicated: **5:19:49**
